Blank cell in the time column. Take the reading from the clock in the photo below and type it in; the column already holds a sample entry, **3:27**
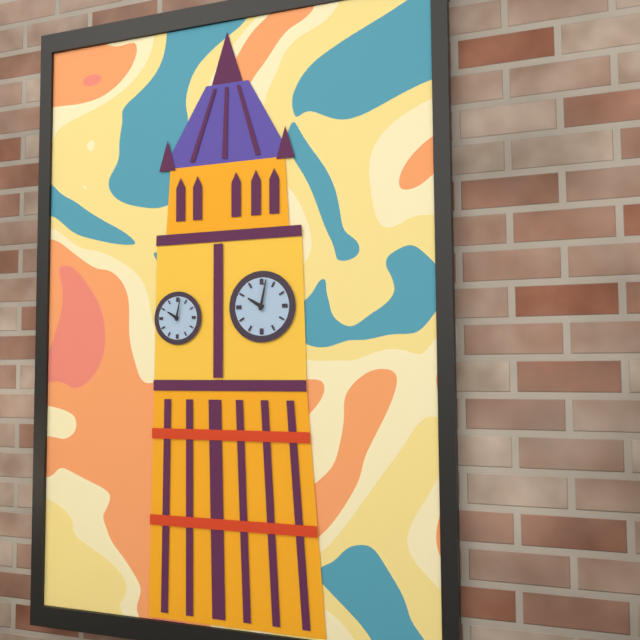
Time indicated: **10:02**
